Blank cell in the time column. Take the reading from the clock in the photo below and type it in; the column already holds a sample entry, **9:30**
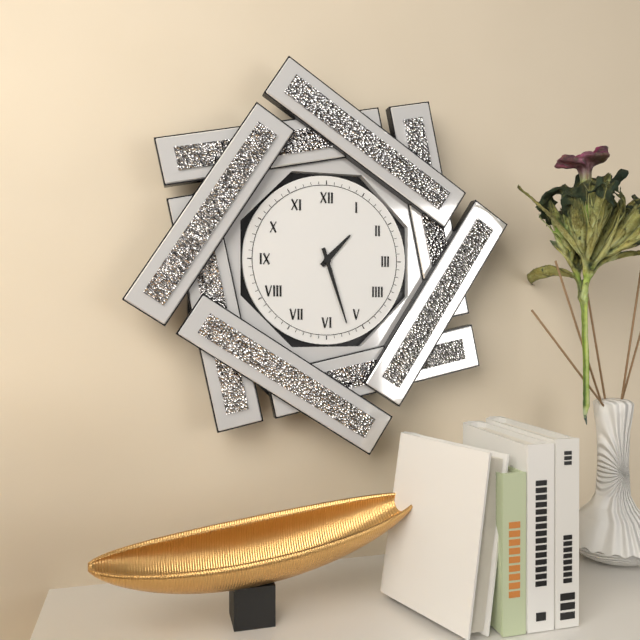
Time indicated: **1:27**
